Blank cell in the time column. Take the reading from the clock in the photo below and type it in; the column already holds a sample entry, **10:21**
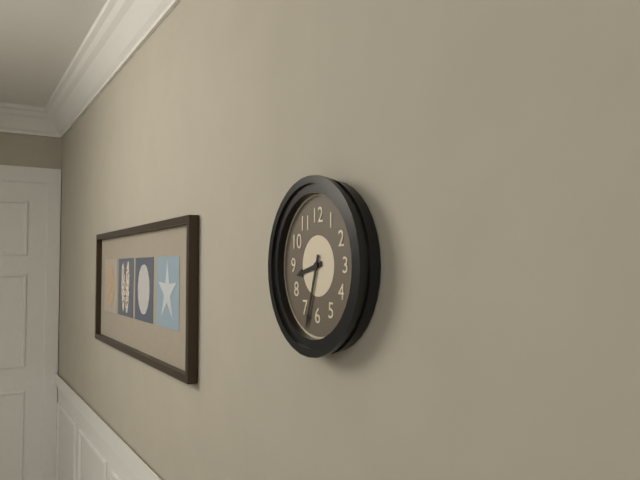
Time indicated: **8:33**
